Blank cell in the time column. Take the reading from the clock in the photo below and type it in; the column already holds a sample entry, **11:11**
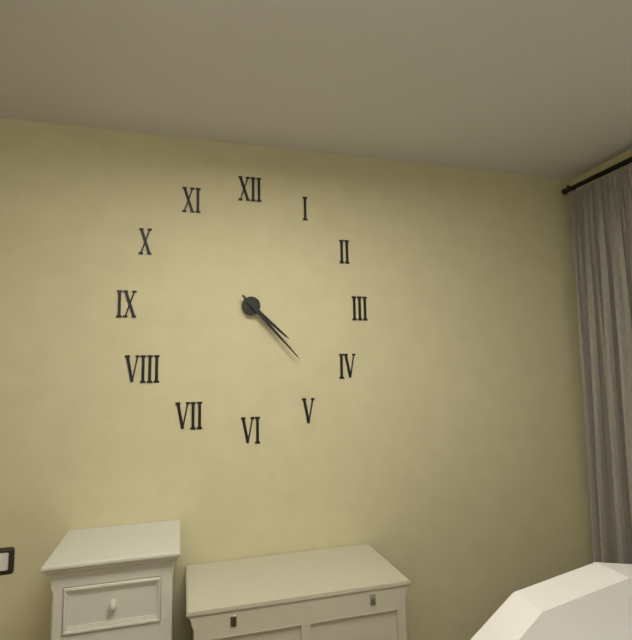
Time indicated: **4:23**
